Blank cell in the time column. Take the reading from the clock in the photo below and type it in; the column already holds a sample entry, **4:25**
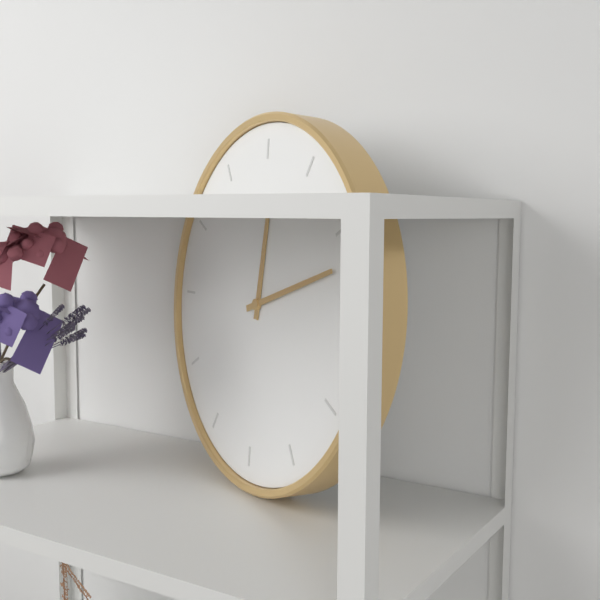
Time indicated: **12:12**
